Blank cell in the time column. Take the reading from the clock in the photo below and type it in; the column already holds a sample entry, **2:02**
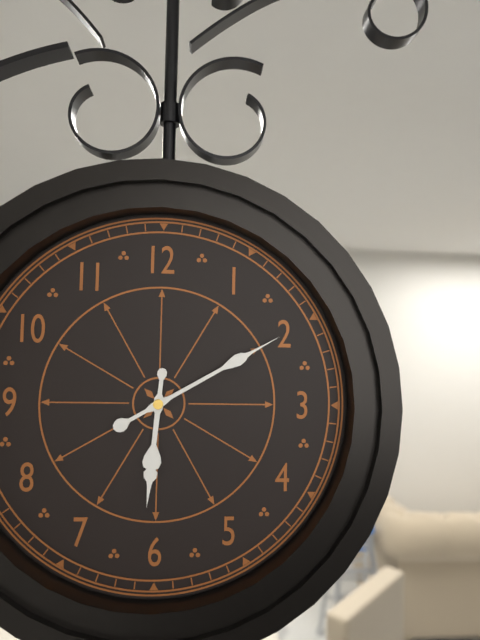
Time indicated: **6:10**
